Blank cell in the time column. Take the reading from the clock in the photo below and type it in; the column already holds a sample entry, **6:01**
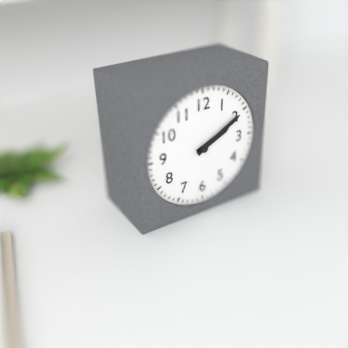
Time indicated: **2:10**
